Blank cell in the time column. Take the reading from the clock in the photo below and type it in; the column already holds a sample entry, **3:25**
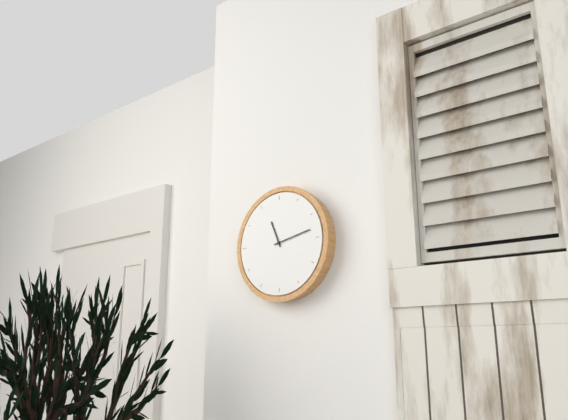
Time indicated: **11:13**
